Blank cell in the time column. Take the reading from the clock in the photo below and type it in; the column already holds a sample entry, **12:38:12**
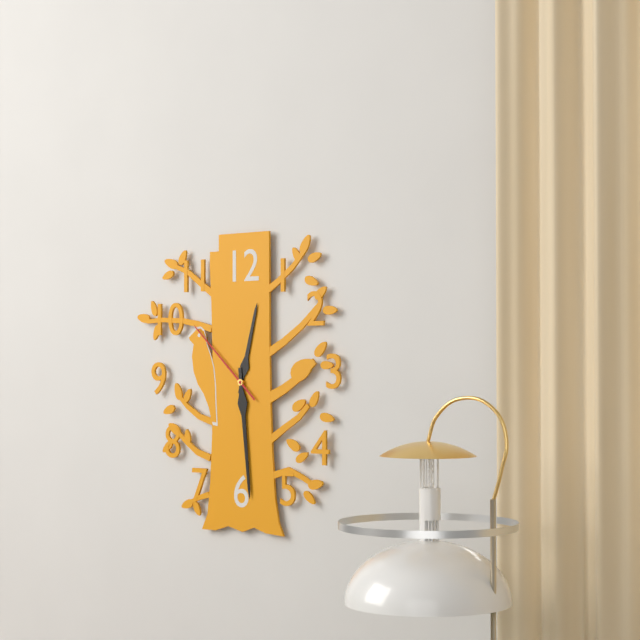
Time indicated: **12:29:52**
